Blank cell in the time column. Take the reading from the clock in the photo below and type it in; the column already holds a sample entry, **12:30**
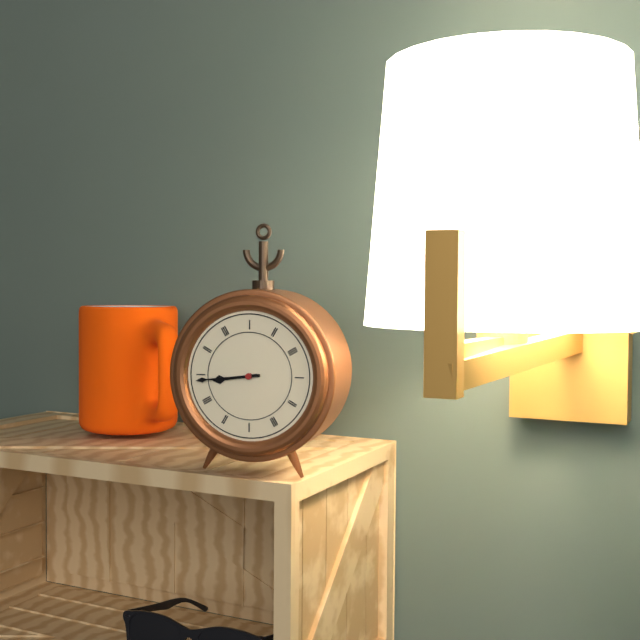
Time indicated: **8:44**
